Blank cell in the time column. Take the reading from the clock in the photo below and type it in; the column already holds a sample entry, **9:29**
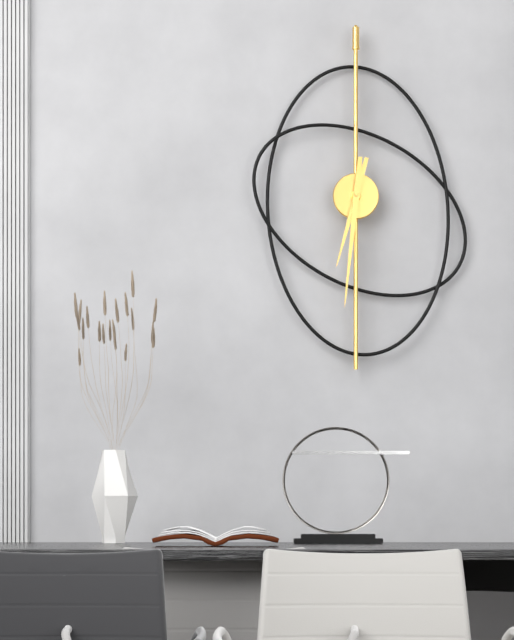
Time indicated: **6:31**
